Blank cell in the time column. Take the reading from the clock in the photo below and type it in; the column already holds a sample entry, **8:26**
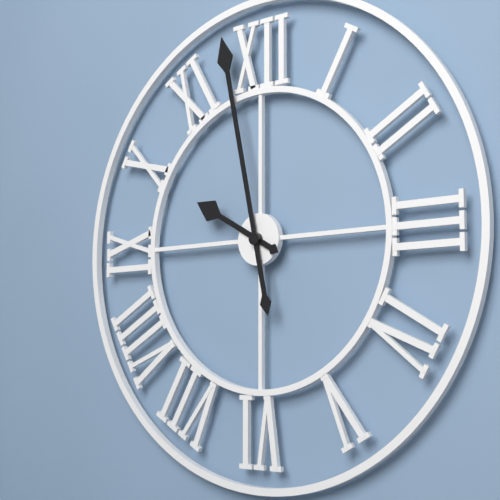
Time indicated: **9:58**
